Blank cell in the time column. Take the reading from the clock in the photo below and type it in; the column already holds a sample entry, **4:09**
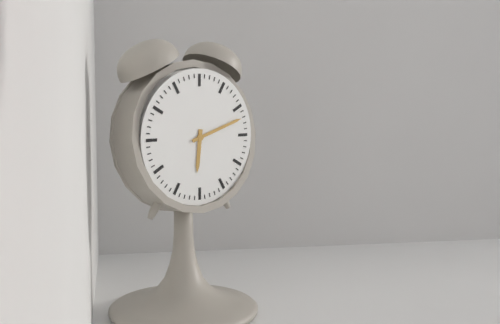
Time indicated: **6:12**
